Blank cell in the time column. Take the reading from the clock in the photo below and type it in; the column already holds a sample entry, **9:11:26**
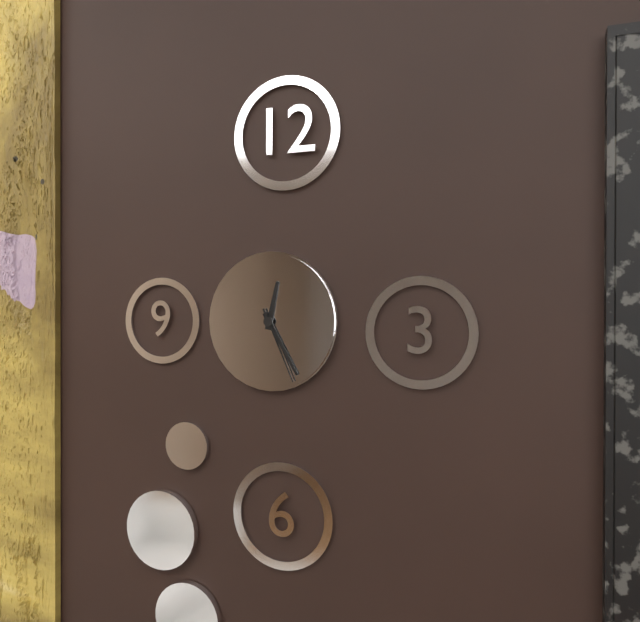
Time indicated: **12:25:26**
